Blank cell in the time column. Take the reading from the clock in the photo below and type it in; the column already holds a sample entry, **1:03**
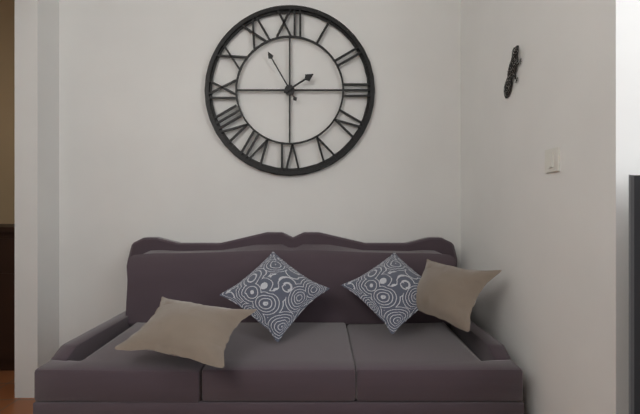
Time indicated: **1:55**
